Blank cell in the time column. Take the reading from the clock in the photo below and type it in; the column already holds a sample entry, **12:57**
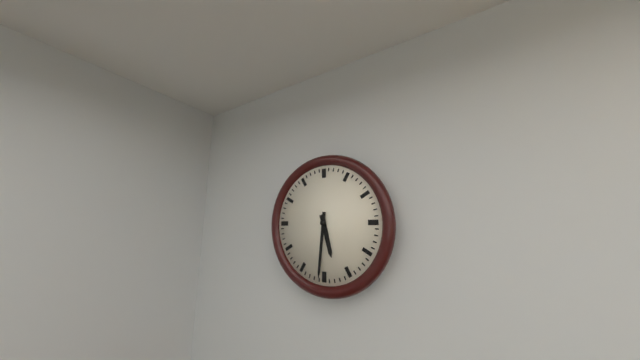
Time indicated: **5:31**
